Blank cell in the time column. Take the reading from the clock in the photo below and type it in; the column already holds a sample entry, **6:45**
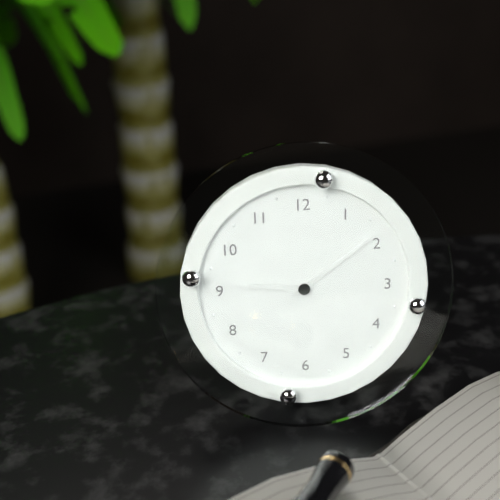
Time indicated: **9:09**
